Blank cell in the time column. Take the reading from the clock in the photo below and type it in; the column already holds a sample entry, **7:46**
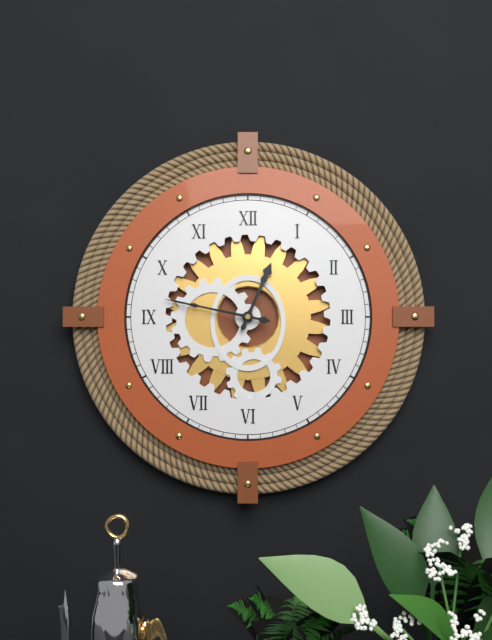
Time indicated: **12:47**
